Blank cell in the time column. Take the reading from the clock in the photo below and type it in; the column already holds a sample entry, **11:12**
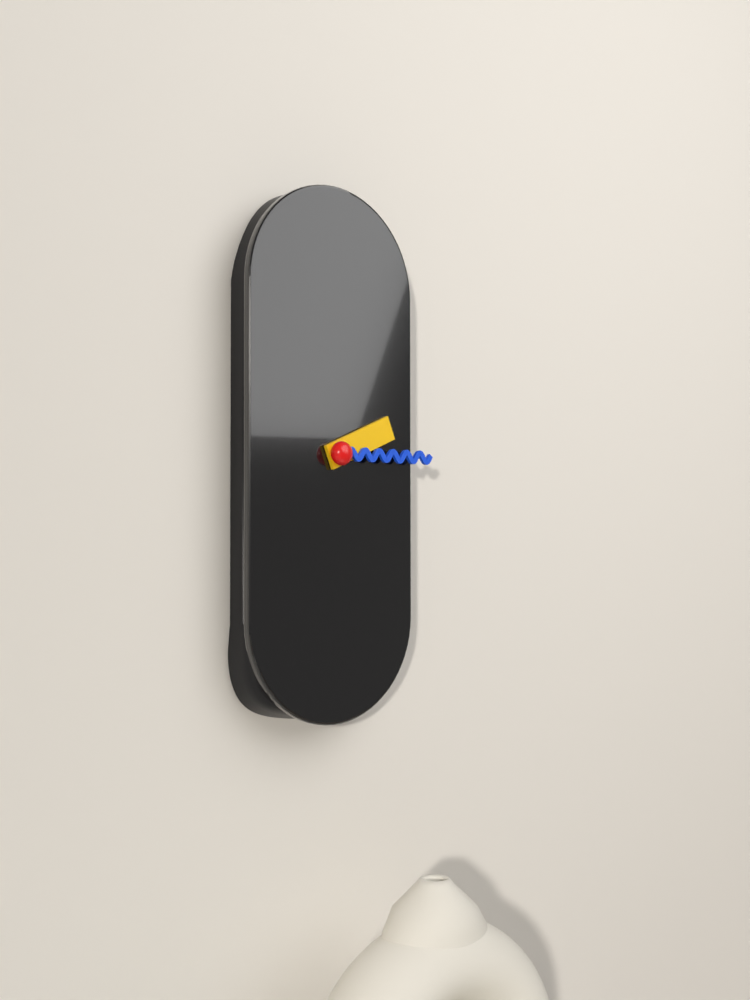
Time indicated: **2:15**
